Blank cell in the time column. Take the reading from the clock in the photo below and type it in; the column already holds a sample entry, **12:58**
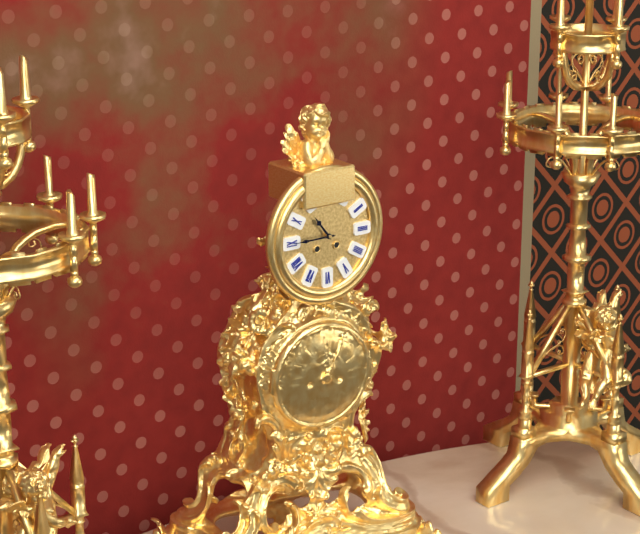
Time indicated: **10:45**
